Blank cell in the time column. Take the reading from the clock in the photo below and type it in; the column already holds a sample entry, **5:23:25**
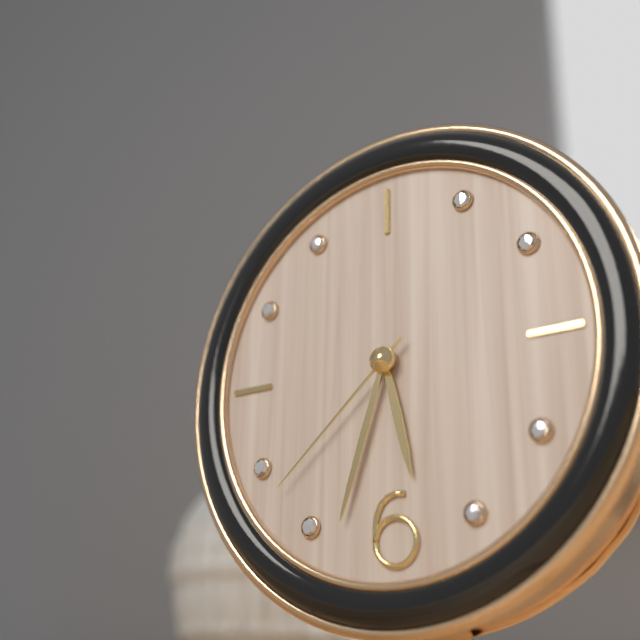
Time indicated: **5:33:38**
